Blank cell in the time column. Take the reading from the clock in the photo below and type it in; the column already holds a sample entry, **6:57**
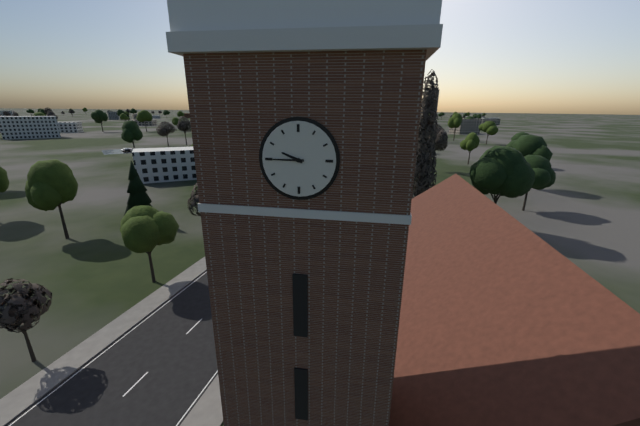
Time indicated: **9:45**
